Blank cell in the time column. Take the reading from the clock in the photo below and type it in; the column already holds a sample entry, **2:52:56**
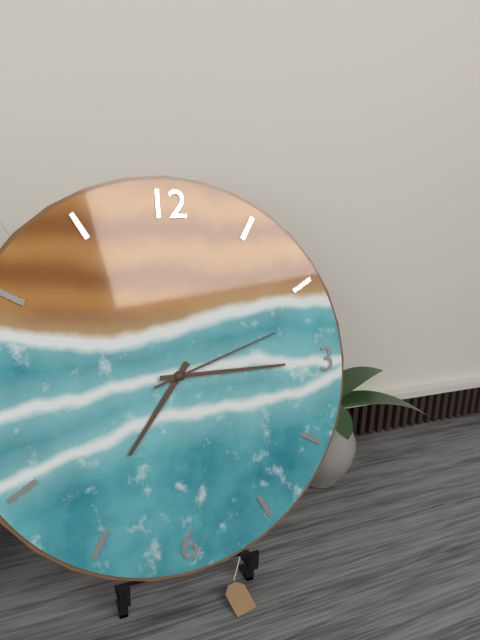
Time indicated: **7:15:12**
